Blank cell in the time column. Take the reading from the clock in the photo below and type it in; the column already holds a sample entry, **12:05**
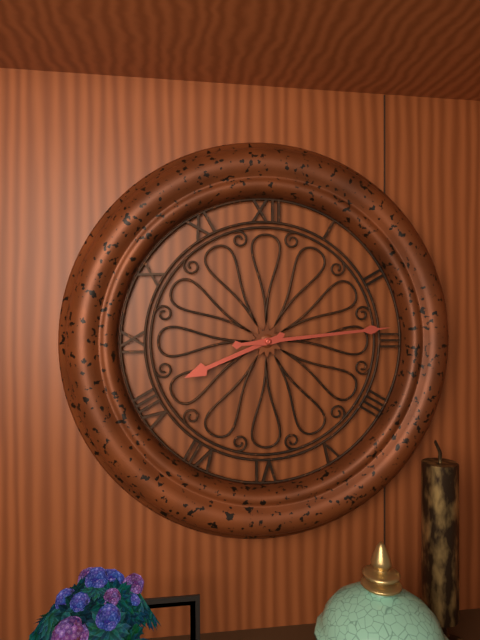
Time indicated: **8:14**
